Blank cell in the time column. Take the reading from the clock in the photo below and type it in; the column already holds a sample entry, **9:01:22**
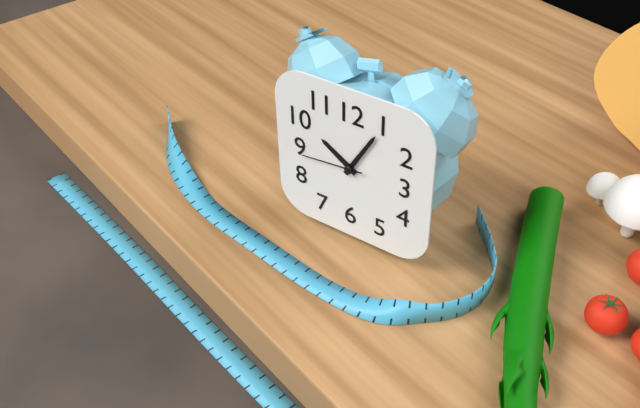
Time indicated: **10:05:44**
